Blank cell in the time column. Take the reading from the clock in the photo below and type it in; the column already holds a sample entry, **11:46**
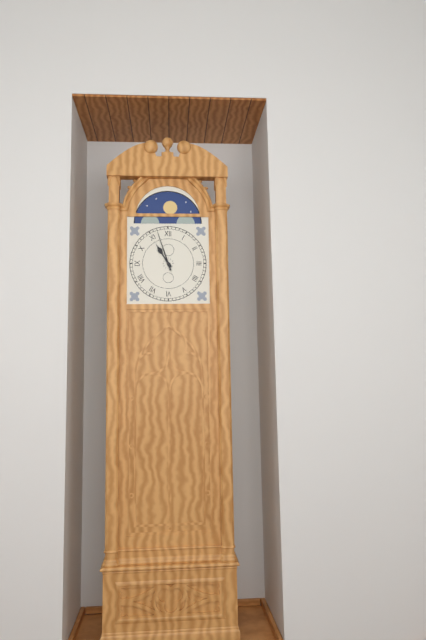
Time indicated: **10:57**
